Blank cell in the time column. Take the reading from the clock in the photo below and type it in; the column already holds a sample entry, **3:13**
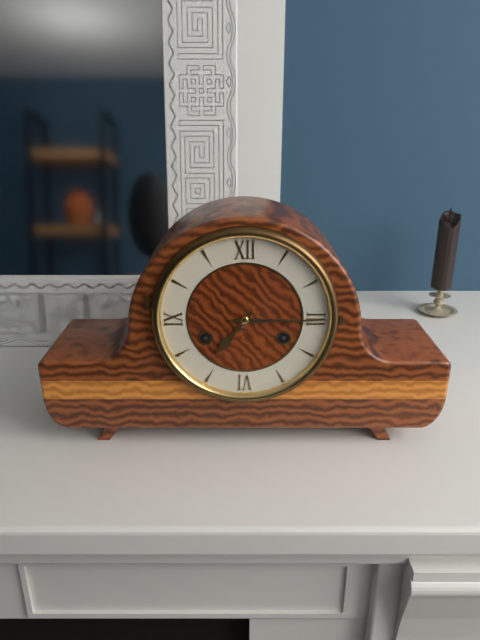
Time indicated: **7:15**
